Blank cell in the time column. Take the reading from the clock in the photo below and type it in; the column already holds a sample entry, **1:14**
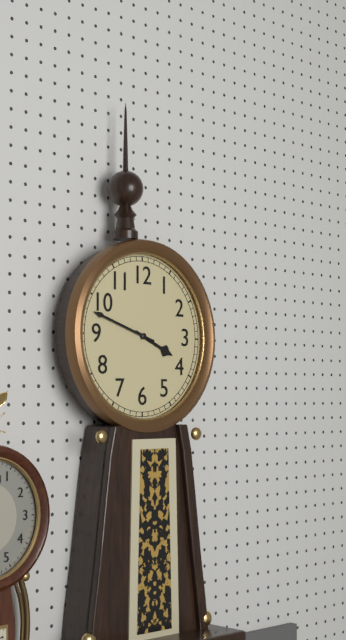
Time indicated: **3:48**
